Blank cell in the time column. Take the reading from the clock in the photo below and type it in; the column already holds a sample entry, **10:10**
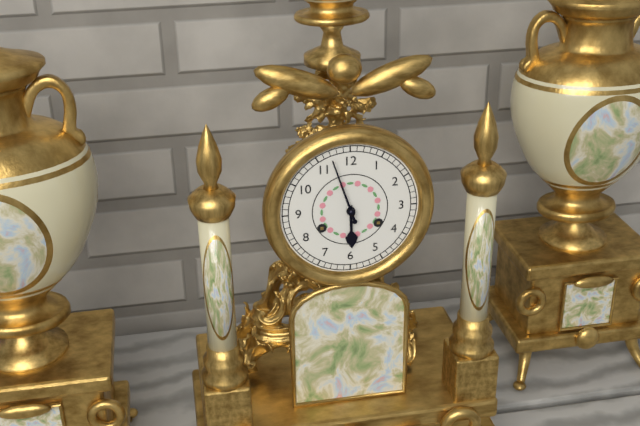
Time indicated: **5:57**
